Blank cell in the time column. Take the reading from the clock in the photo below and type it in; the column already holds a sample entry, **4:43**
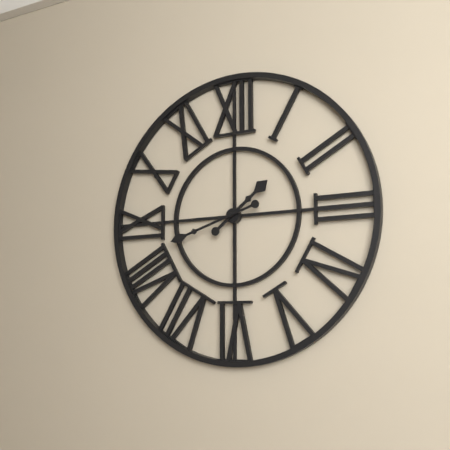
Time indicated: **1:42**
